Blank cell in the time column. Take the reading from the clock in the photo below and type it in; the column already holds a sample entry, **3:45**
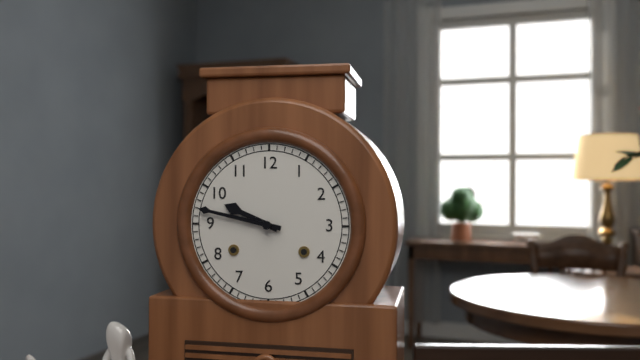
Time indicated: **9:47**
